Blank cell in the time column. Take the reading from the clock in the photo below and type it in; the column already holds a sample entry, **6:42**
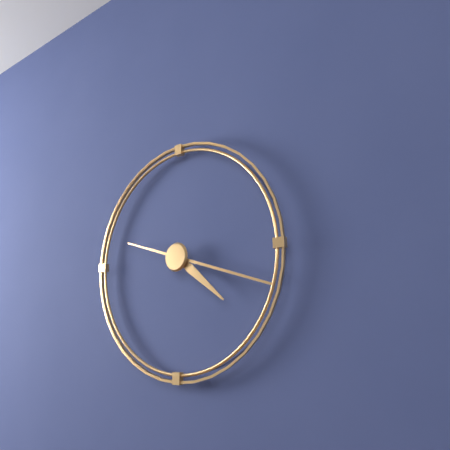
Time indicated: **4:18**
